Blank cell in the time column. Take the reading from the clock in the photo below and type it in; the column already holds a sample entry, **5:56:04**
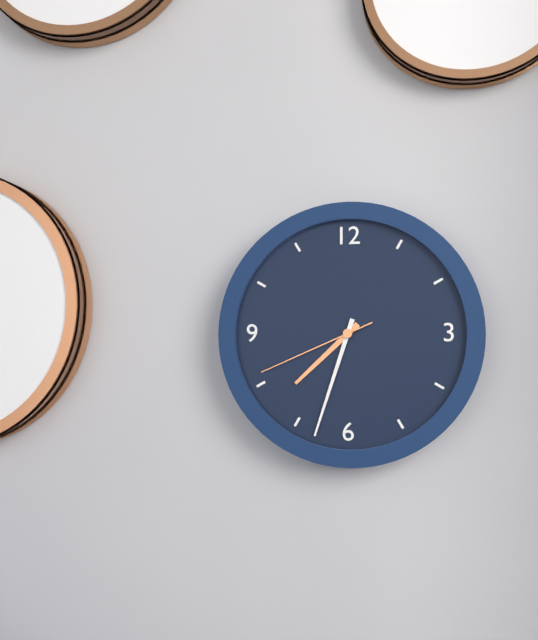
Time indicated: **7:33:41**
